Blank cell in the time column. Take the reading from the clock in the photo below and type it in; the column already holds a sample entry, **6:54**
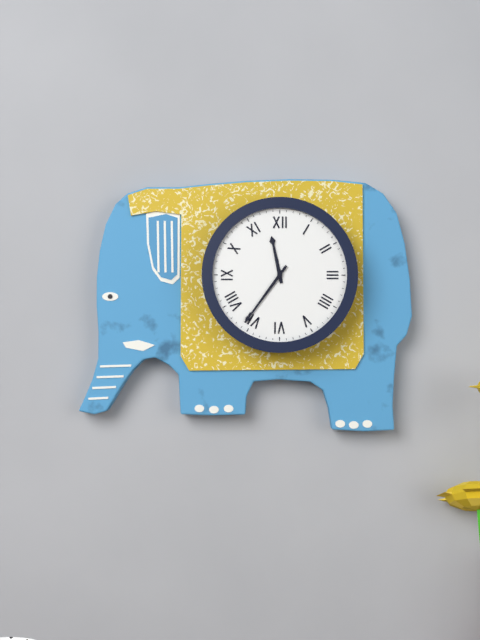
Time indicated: **11:36**
